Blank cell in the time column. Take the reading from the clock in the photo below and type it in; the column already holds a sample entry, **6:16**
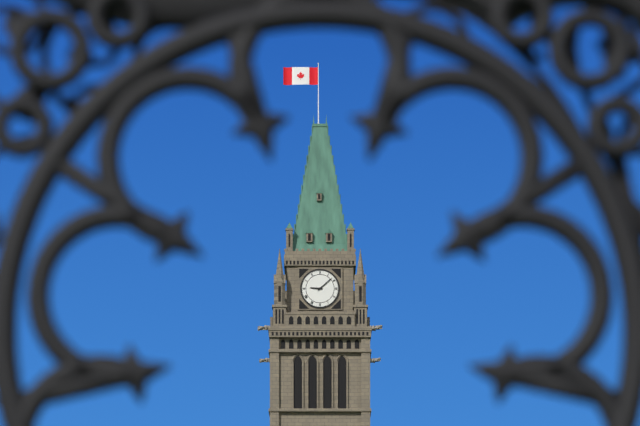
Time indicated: **9:08**
